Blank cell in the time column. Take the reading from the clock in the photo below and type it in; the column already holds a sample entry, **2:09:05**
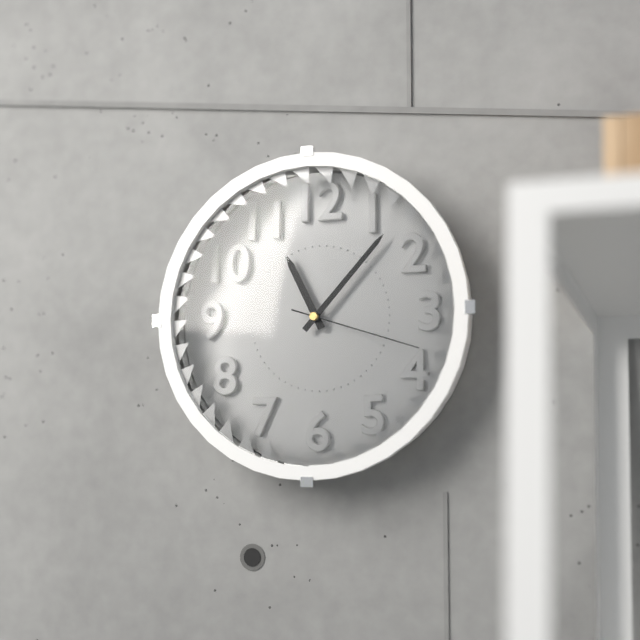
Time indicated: **11:07:18**
